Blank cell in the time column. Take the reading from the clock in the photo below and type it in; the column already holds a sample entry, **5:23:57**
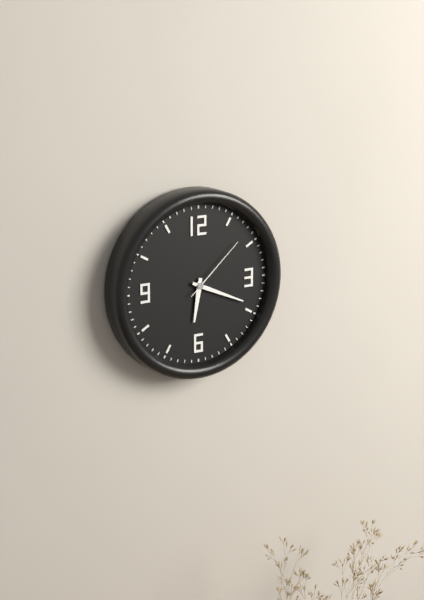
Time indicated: **6:19:08**
